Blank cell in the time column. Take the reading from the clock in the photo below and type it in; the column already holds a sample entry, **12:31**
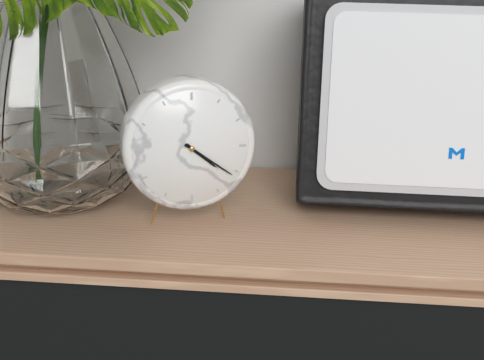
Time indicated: **4:21**
